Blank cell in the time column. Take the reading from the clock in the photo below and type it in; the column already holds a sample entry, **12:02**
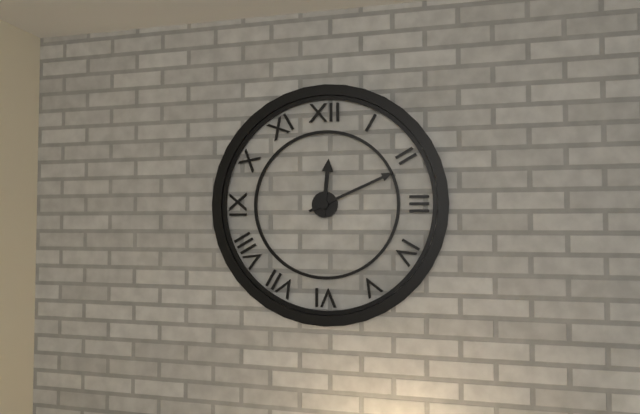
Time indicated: **12:11**
